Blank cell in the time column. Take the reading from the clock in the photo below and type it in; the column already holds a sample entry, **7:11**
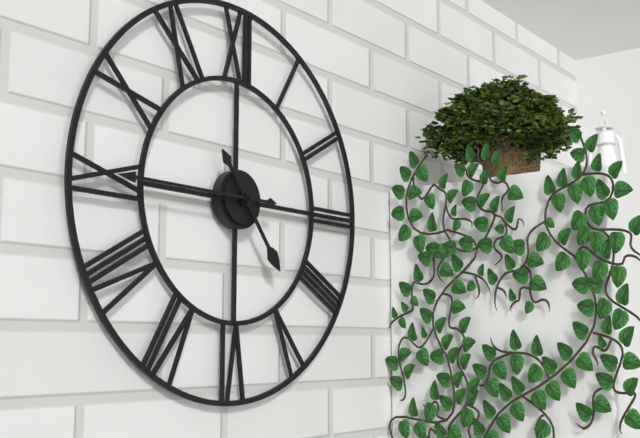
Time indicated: **4:45**
